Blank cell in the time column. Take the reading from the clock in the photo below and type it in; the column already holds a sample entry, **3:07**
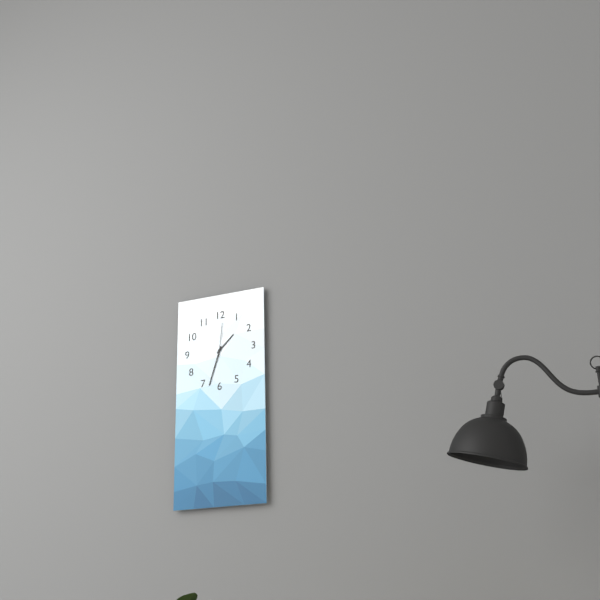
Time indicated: **1:33**
